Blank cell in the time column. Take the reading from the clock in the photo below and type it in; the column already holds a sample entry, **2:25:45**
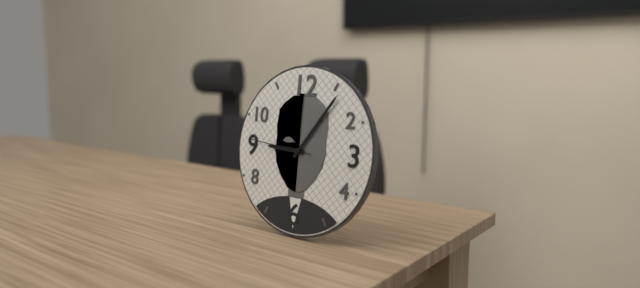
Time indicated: **9:06:46**
